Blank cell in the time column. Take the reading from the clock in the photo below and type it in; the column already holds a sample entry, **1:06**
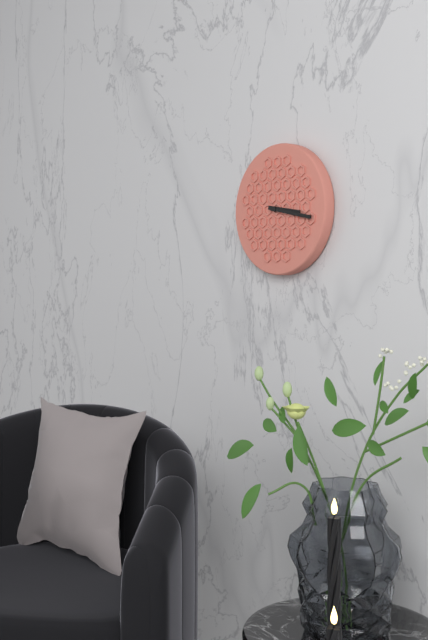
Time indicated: **3:17**
